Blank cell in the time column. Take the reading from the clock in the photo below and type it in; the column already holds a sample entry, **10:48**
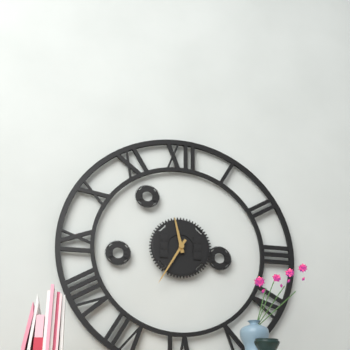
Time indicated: **11:35**
